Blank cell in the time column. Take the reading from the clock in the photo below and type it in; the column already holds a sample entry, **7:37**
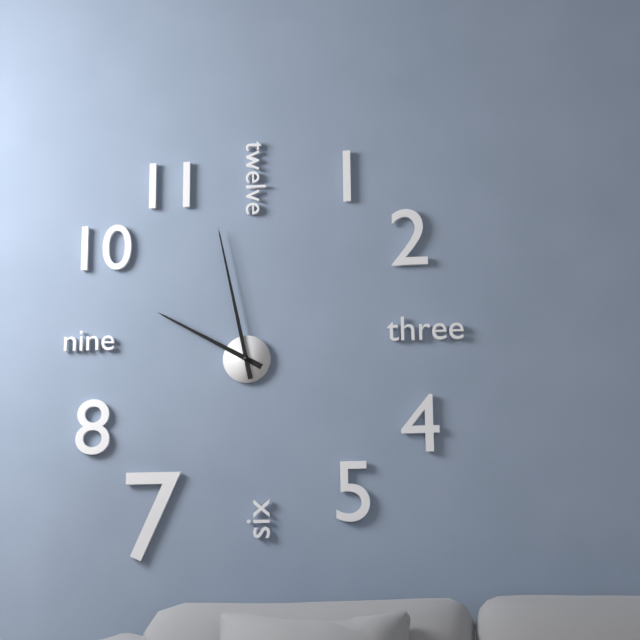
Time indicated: **9:58**
